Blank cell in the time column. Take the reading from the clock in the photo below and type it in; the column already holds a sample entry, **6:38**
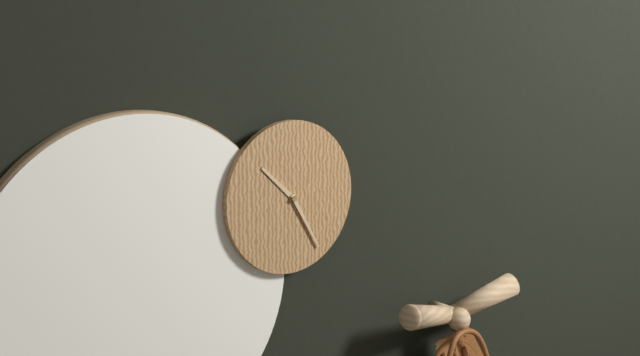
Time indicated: **10:25**
